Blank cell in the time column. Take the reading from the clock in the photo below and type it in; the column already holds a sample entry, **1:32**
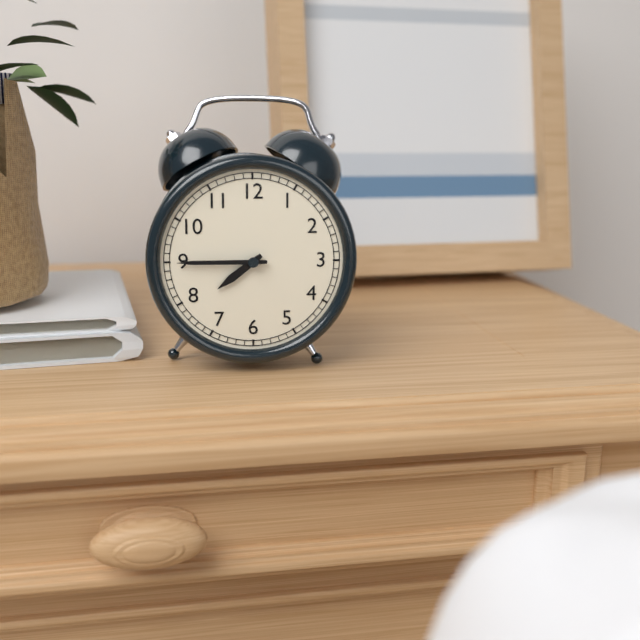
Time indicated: **7:45**
